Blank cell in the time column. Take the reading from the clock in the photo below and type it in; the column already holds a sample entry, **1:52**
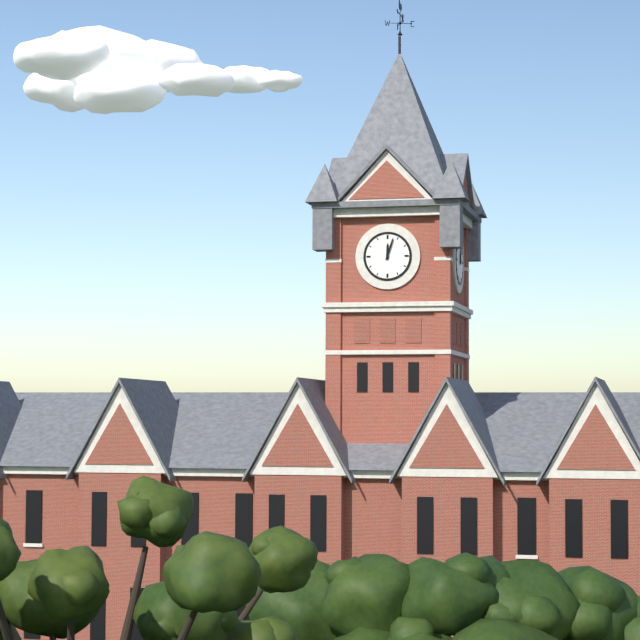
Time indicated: **12:03**
